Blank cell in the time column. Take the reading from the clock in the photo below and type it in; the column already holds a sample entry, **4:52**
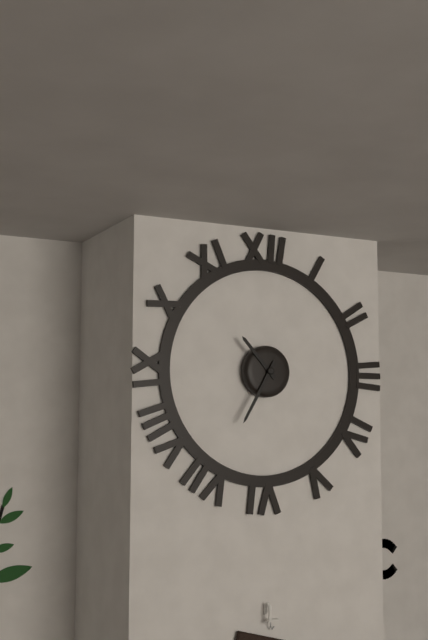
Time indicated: **10:35**
